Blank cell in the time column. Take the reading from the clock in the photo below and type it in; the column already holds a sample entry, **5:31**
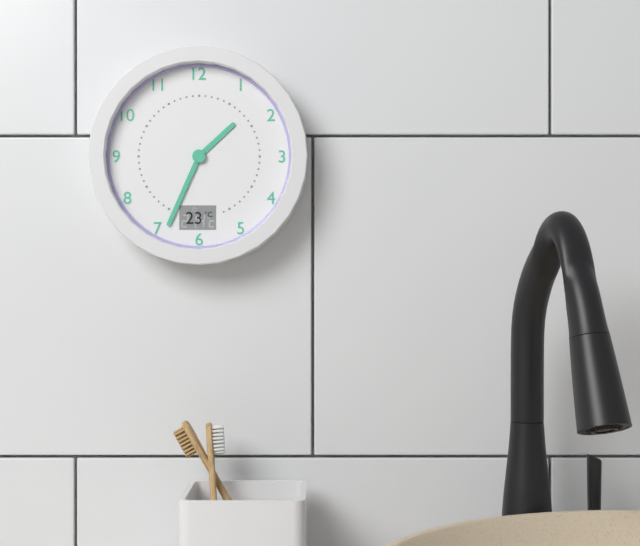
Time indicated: **1:34**
